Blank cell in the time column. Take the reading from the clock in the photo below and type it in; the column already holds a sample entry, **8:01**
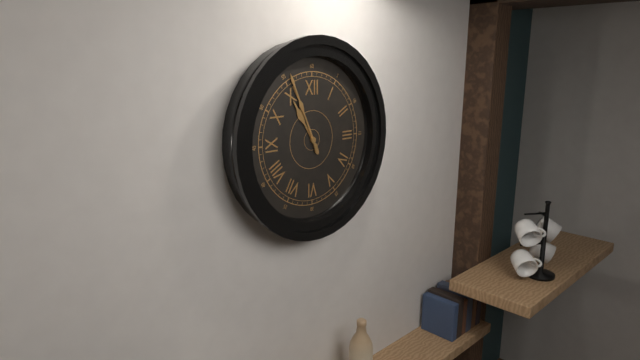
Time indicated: **10:56**
